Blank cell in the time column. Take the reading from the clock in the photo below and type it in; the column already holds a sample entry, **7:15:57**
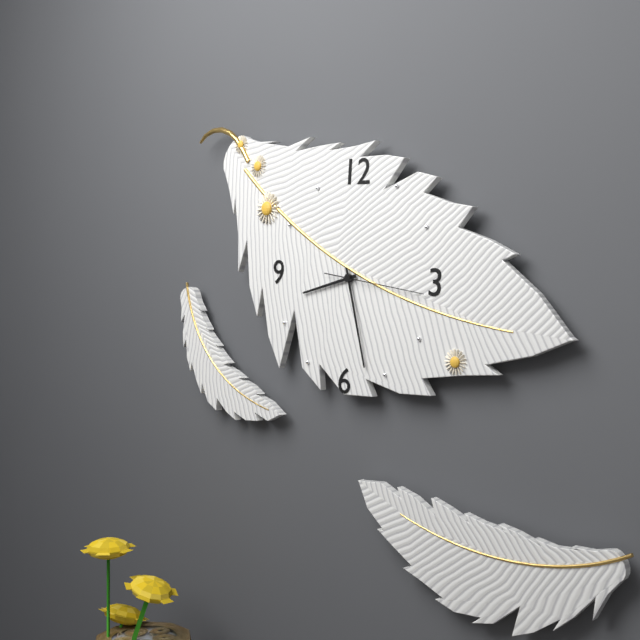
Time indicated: **8:27:16**
